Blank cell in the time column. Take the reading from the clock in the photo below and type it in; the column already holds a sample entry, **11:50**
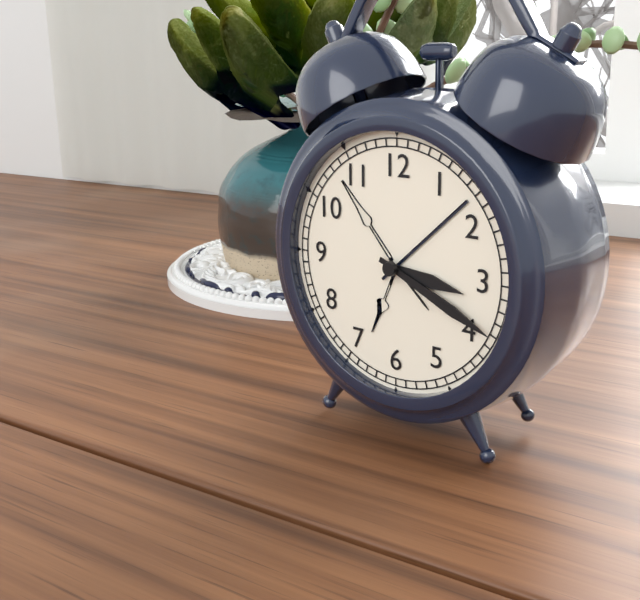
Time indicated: **3:19**
